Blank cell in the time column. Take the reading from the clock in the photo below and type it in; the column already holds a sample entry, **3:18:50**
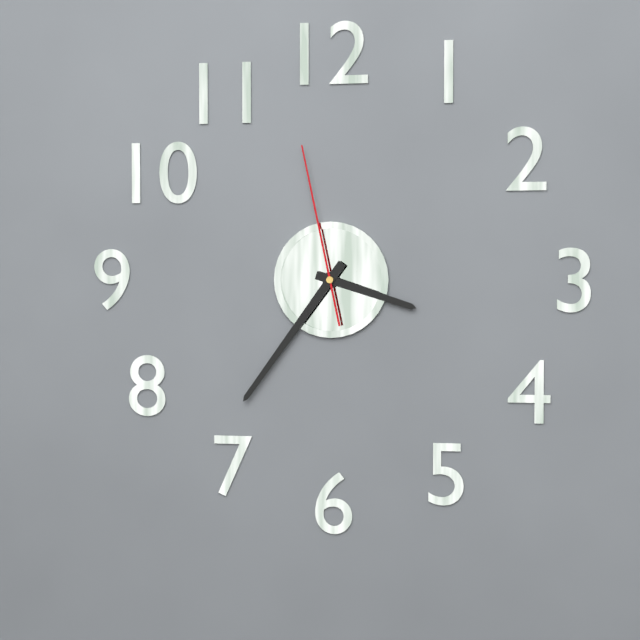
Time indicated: **3:36:58**
